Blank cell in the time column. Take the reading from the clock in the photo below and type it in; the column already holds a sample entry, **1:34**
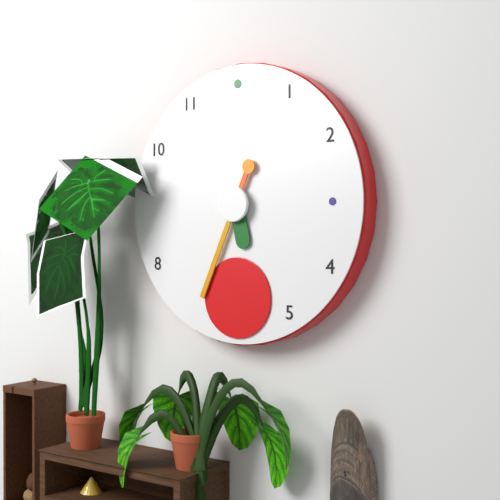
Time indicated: **5:34**
